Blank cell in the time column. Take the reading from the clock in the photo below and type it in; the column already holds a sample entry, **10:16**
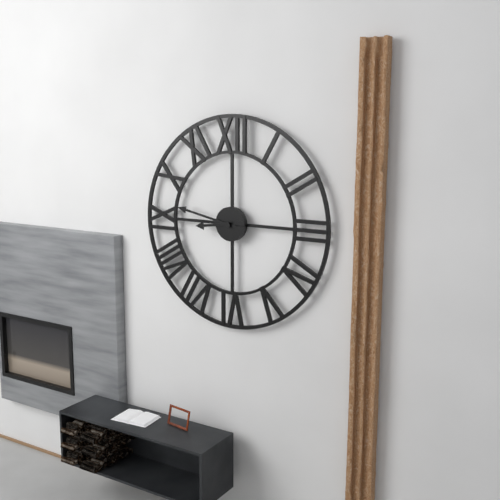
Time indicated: **8:47**
